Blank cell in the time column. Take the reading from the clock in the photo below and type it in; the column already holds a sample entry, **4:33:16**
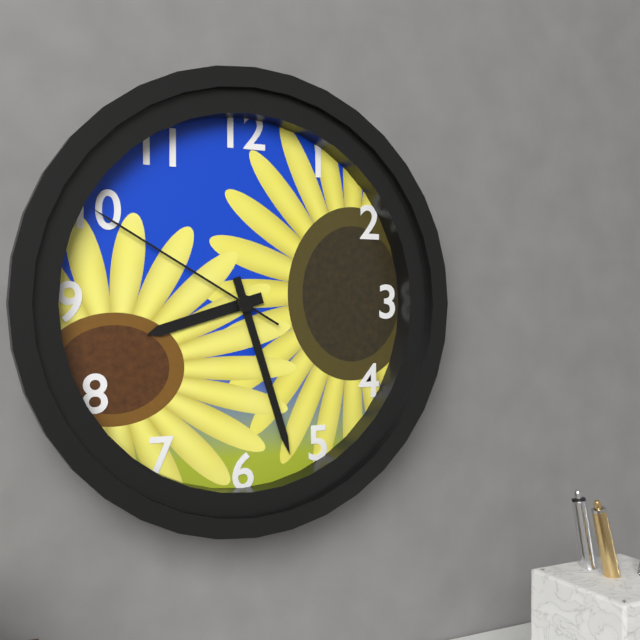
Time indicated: **8:27:50**
